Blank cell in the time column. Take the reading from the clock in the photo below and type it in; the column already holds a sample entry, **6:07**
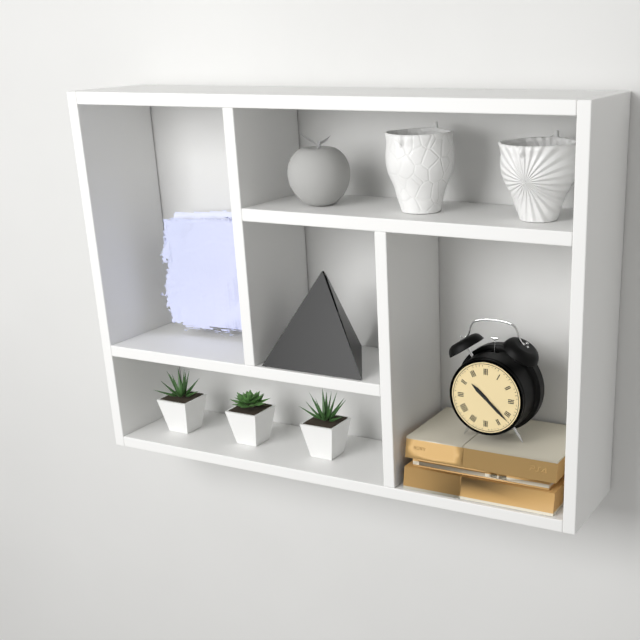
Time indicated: **10:22**
